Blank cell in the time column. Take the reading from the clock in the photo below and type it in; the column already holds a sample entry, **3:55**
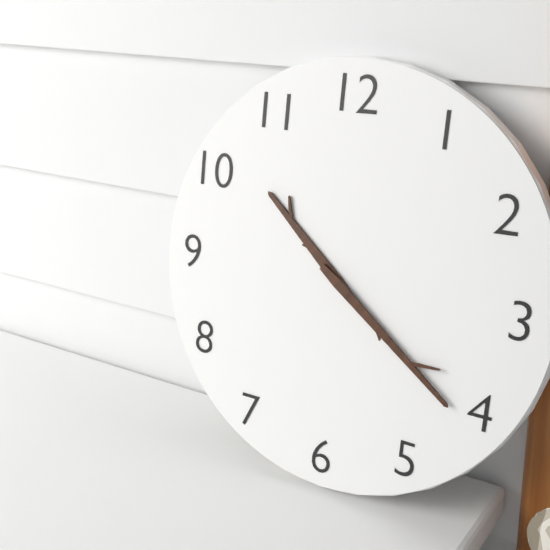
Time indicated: **10:21**
